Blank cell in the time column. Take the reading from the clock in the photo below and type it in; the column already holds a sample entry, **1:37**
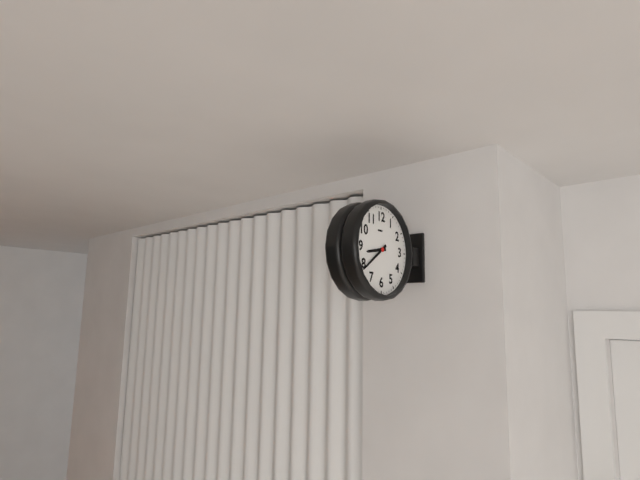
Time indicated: **8:39**
